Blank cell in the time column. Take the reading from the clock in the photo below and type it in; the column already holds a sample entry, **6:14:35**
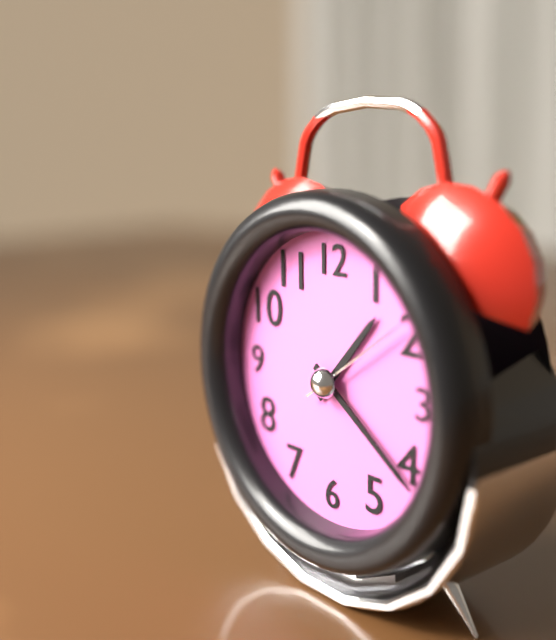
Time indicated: **1:21:09**
